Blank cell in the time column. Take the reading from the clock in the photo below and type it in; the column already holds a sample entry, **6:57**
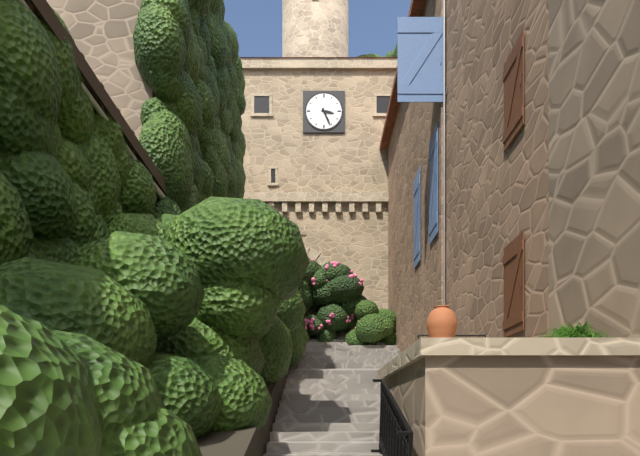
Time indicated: **3:26**
